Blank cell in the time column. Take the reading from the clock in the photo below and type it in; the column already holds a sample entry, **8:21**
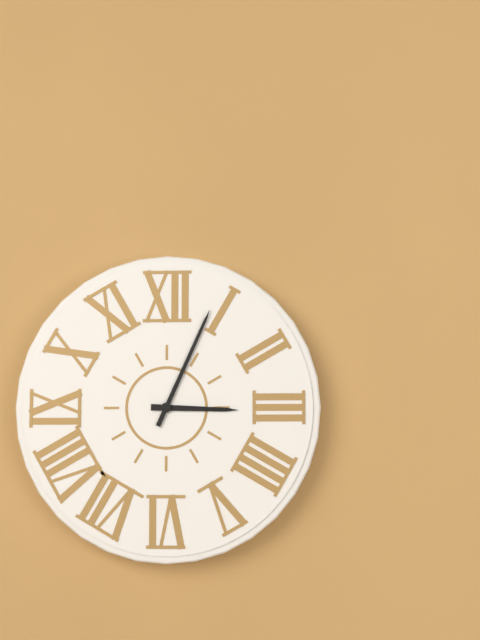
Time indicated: **3:04**
